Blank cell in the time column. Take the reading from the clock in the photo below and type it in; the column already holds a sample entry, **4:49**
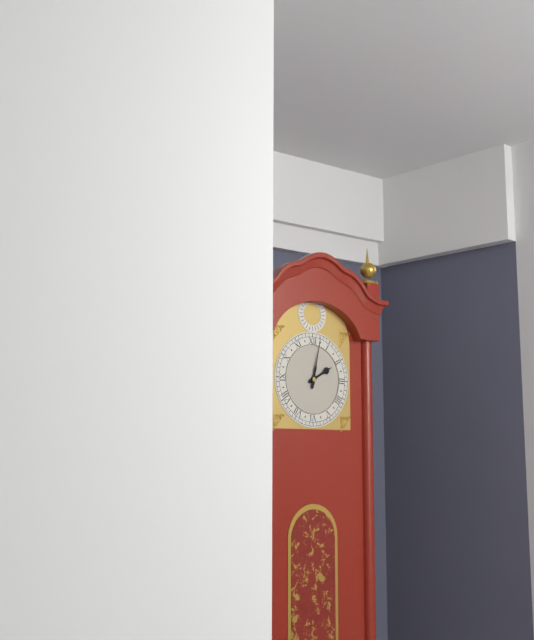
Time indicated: **2:02**
